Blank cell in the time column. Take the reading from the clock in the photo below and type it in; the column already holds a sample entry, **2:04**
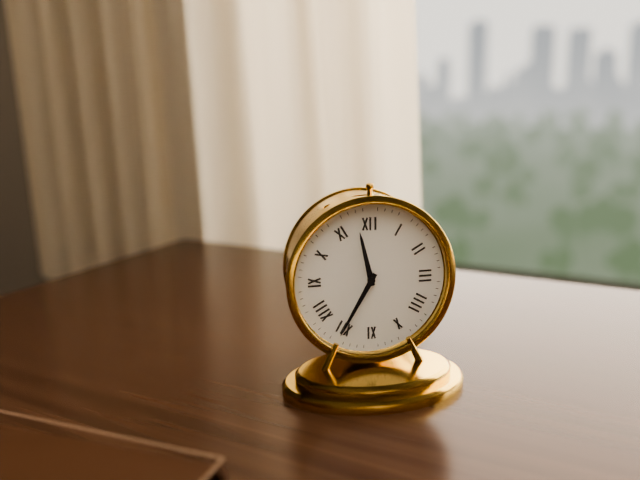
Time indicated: **11:35**
